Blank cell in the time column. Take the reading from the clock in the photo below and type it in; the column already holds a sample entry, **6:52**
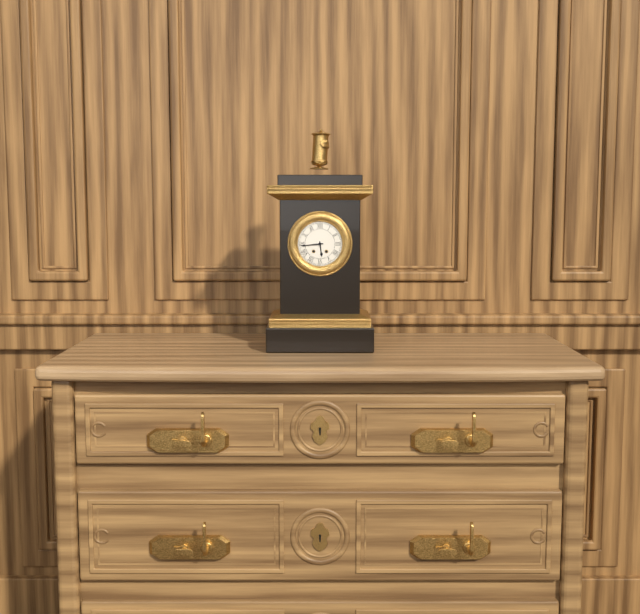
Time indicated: **5:44**
